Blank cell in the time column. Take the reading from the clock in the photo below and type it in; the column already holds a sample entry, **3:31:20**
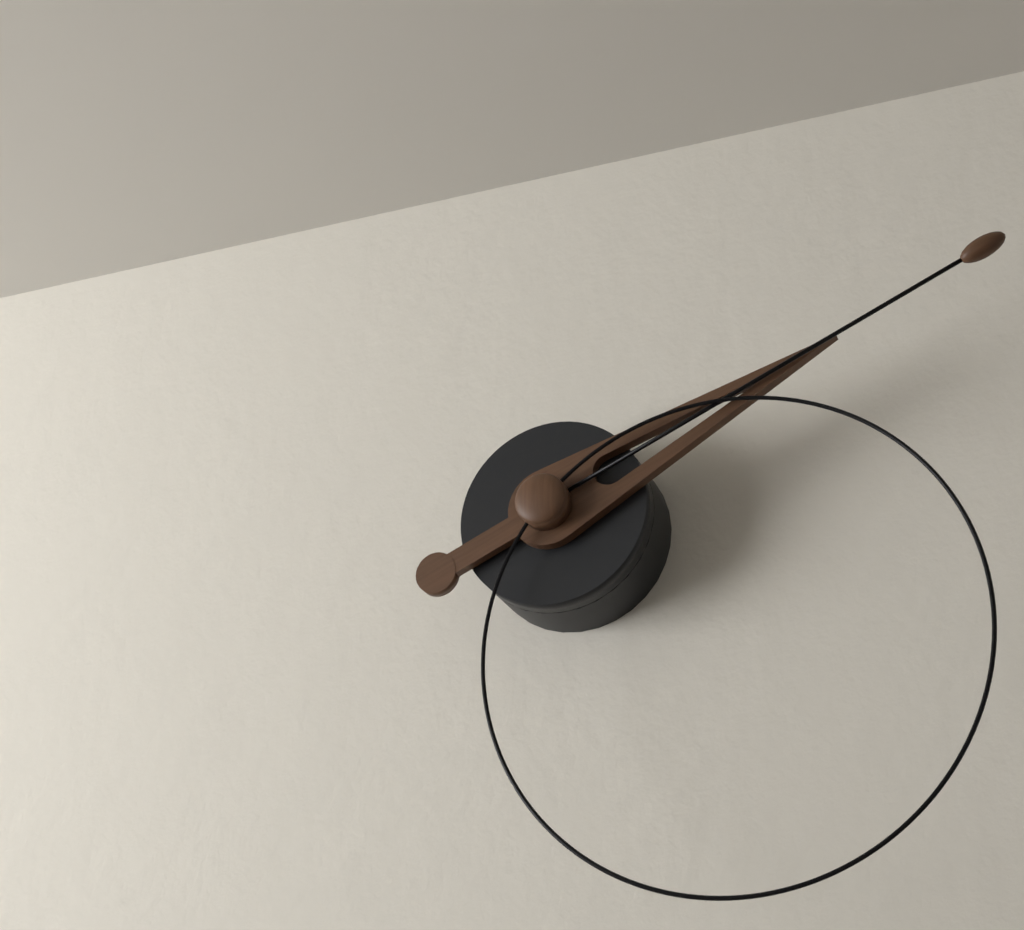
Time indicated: **2:11:22**
